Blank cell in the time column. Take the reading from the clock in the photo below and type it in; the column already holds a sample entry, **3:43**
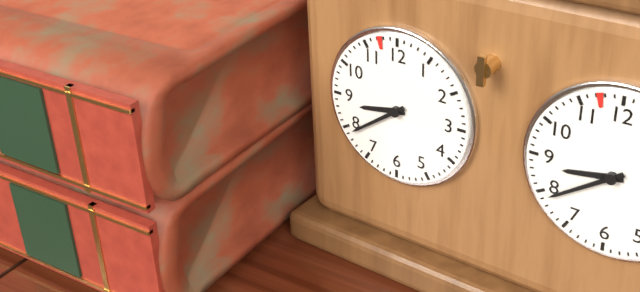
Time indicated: **8:39**
